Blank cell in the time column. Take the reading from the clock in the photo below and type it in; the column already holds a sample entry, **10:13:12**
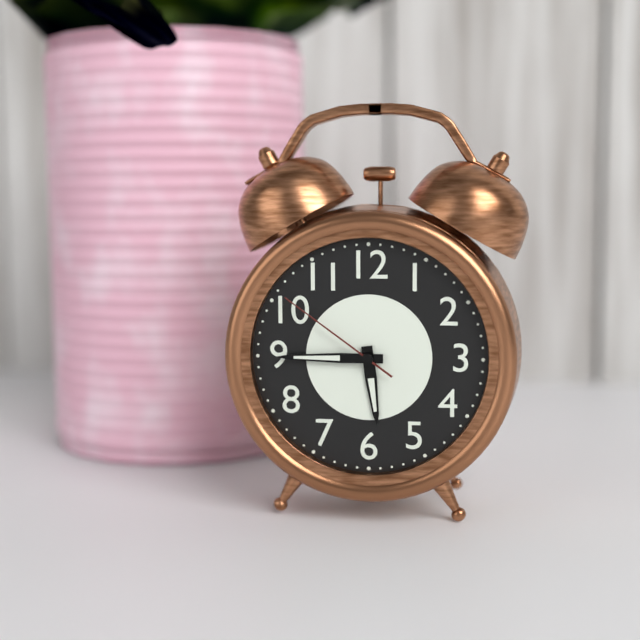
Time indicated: **5:45:51**
